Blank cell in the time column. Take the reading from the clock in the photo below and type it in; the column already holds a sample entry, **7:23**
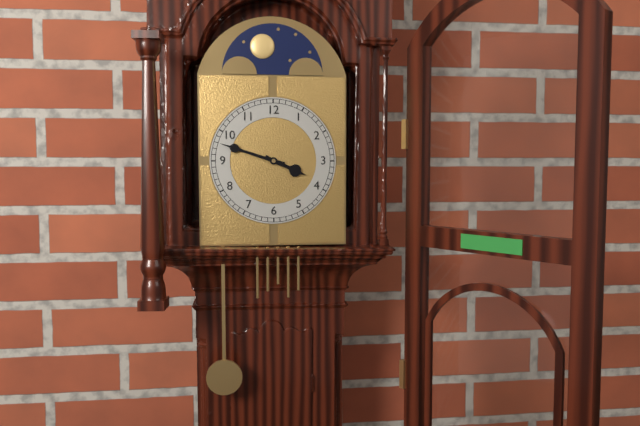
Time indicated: **3:48**
